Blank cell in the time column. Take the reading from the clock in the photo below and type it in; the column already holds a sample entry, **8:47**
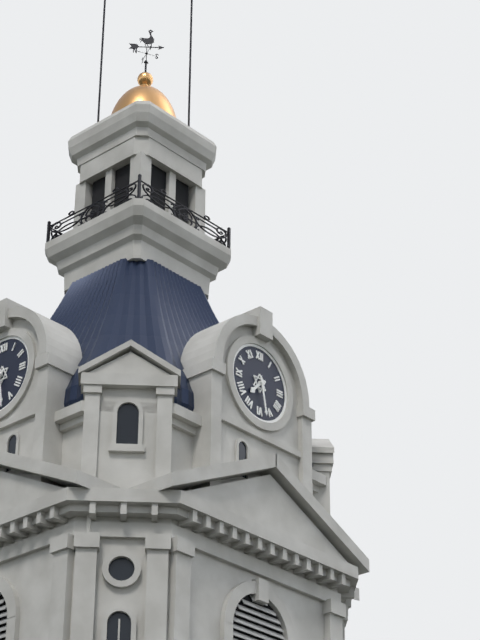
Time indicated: **7:28**
